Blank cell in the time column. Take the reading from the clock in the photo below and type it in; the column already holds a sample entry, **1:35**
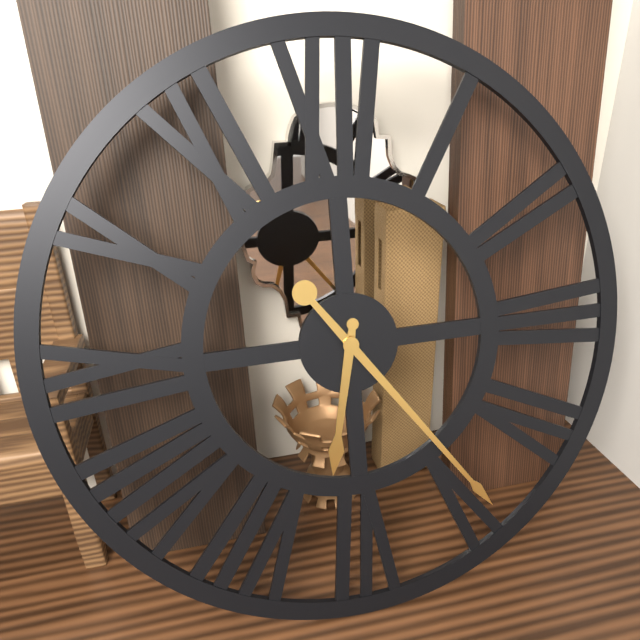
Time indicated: **6:24**
